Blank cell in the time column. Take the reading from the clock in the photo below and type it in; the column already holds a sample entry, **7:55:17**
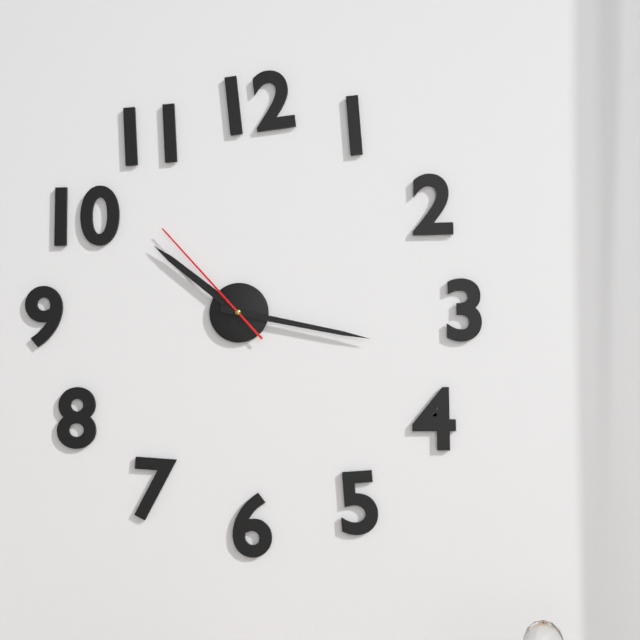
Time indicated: **10:17:53**
